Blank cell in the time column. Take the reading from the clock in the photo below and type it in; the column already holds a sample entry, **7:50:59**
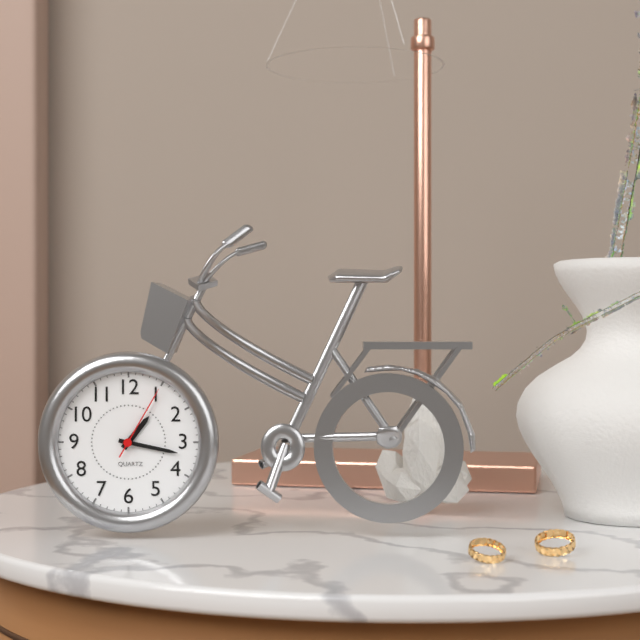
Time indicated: **1:17:05**
